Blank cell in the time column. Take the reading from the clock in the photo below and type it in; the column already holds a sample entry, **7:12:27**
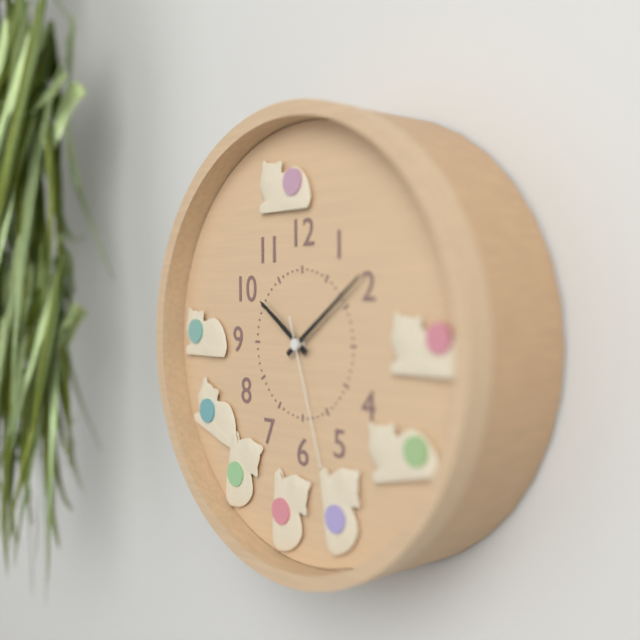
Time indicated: **10:09:27**
